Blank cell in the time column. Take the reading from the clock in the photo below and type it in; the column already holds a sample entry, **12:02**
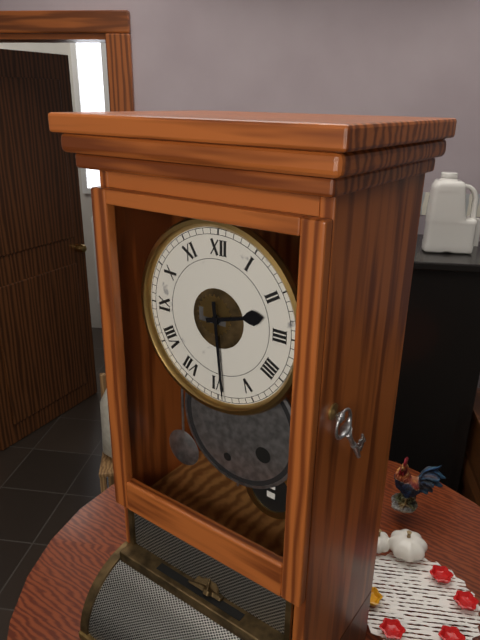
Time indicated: **2:29**
